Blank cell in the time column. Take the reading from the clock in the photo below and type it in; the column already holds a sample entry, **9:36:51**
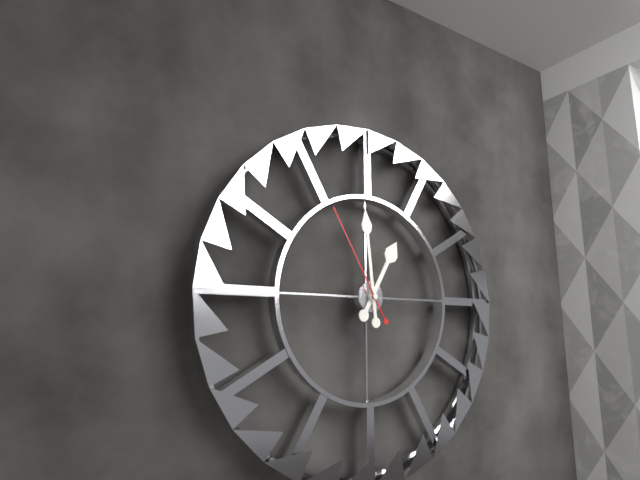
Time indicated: **12:59:55**
